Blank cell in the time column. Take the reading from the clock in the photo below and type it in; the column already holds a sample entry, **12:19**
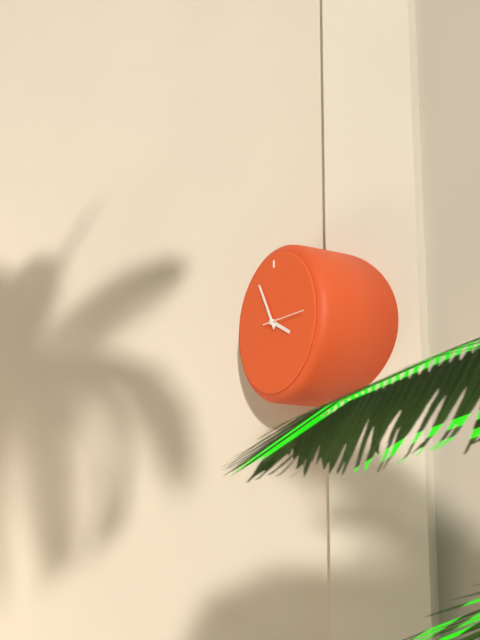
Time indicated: **3:55**
